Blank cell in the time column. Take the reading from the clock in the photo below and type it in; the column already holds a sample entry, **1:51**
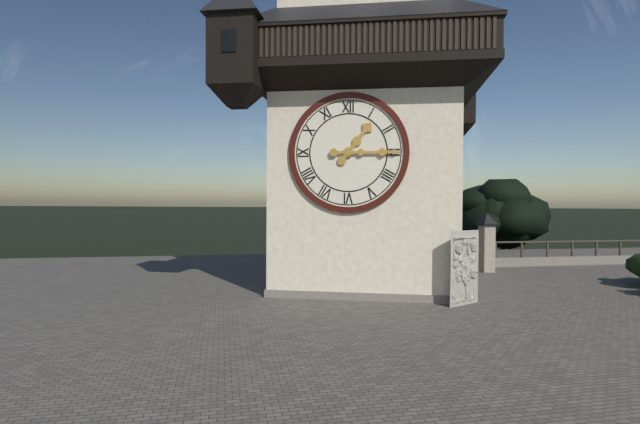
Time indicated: **1:15**
